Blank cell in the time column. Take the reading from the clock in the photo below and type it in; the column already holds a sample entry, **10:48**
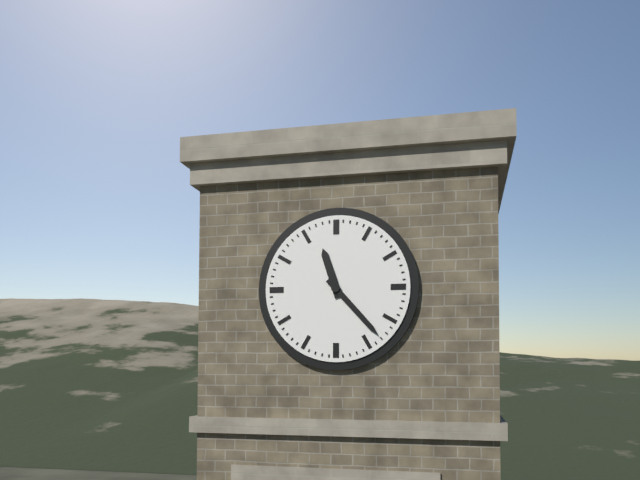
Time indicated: **11:23**
